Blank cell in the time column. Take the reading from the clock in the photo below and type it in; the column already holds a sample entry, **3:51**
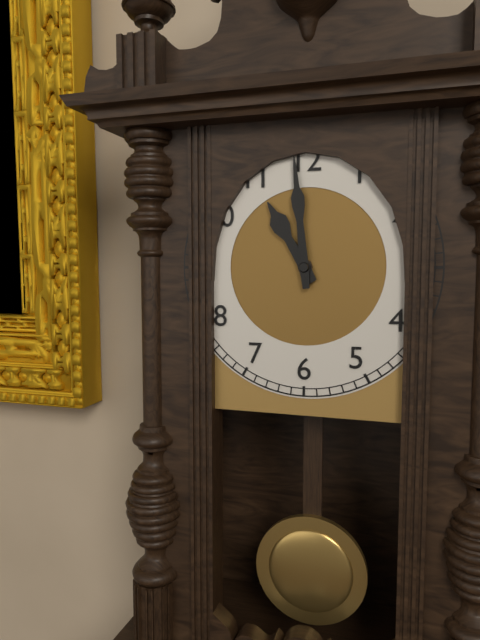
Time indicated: **10:59**
